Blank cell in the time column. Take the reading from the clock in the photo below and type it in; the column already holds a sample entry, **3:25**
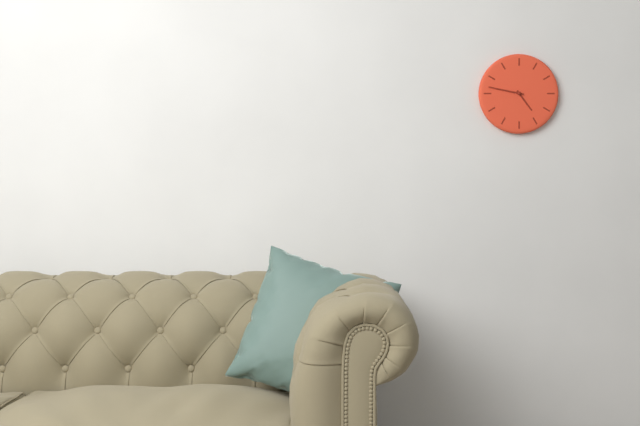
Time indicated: **4:47**
